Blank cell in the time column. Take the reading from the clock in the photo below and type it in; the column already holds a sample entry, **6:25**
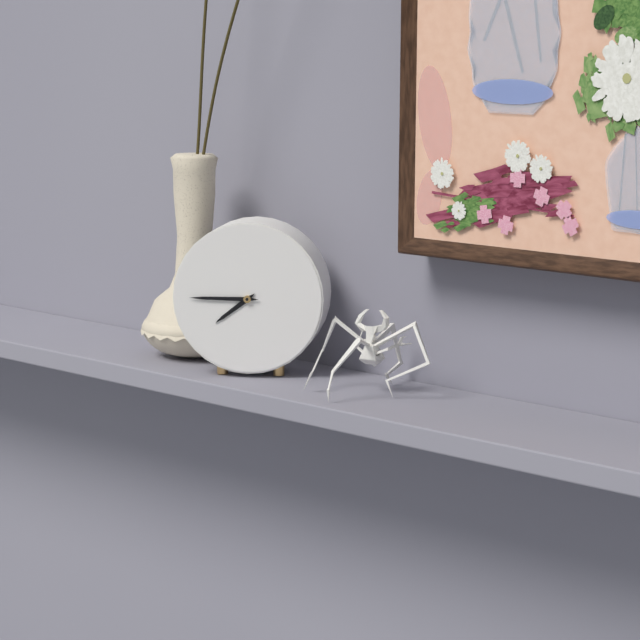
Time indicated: **7:45**
